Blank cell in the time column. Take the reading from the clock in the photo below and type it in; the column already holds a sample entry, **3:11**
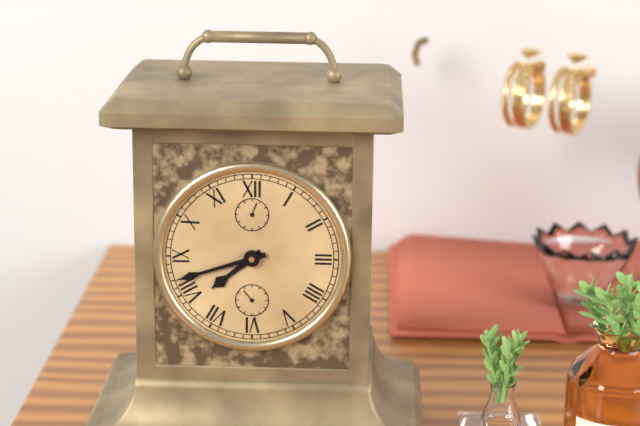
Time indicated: **7:42**
